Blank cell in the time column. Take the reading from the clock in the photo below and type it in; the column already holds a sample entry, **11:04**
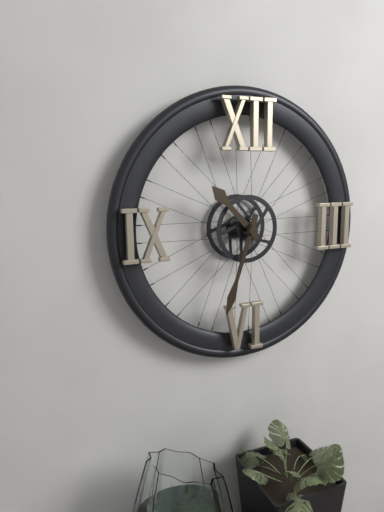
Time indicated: **10:33**
